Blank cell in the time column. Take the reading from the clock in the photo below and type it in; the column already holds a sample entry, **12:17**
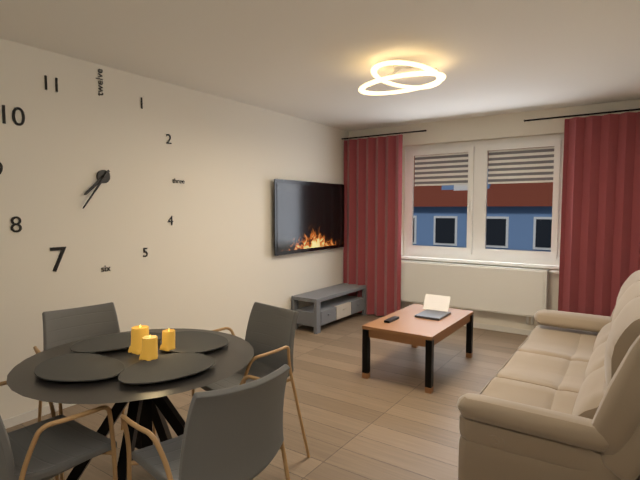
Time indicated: **7:36**
